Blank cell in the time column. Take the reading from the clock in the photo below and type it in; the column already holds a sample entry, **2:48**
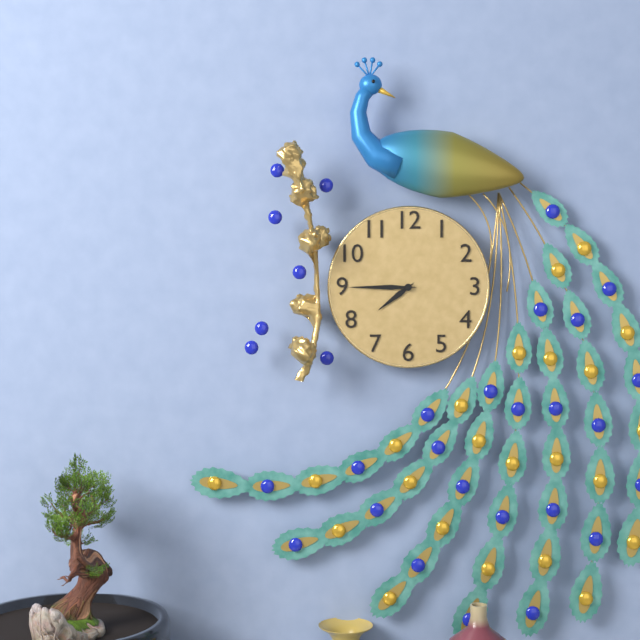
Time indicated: **7:45**
